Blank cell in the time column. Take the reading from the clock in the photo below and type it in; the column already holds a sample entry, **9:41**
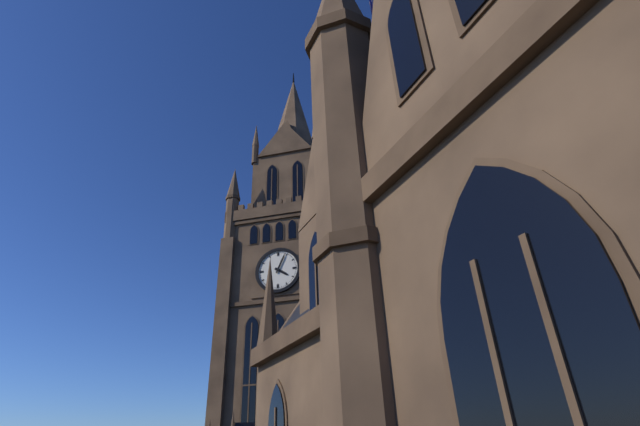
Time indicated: **4:04**
